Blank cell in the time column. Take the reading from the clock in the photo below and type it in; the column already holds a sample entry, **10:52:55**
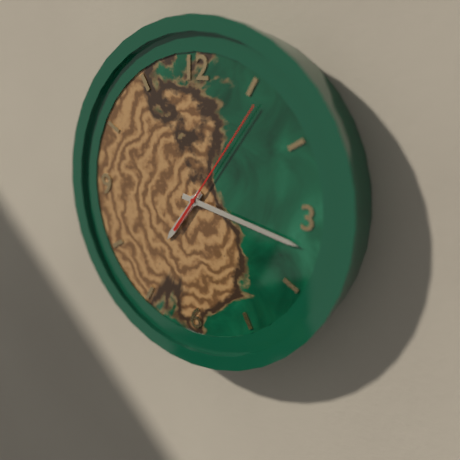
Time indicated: **7:17:06**
